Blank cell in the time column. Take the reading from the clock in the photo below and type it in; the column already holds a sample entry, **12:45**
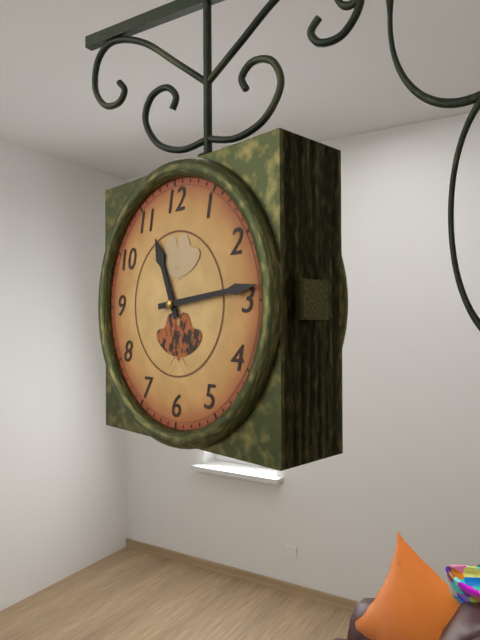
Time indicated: **11:14**
